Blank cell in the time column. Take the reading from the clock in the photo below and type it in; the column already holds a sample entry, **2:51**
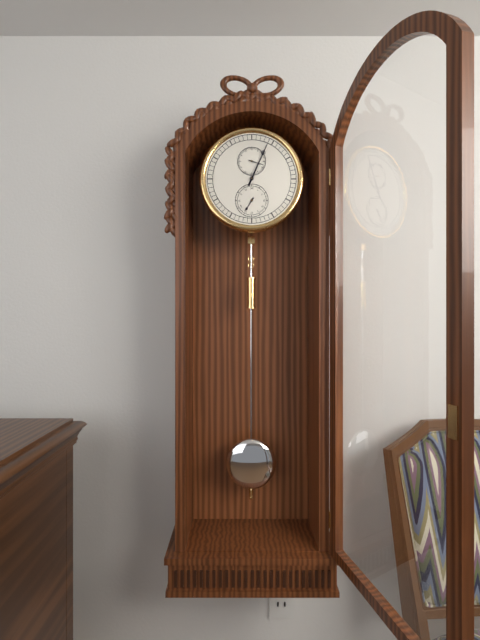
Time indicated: **7:04**
